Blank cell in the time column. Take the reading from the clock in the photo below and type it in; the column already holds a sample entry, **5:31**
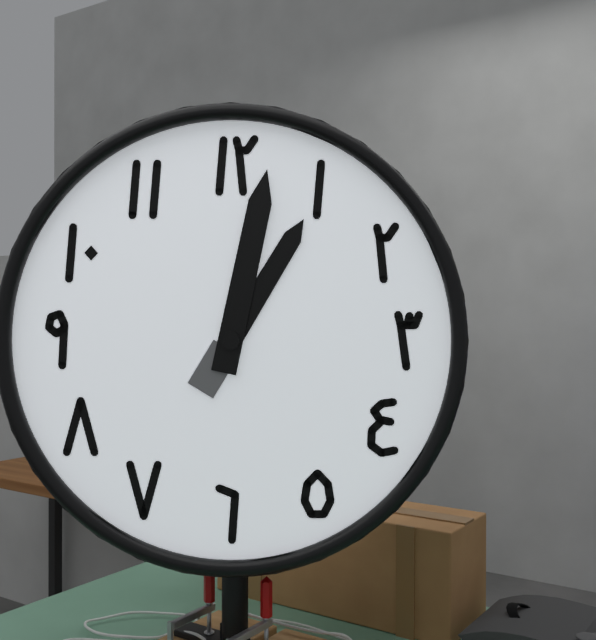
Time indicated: **1:02**
